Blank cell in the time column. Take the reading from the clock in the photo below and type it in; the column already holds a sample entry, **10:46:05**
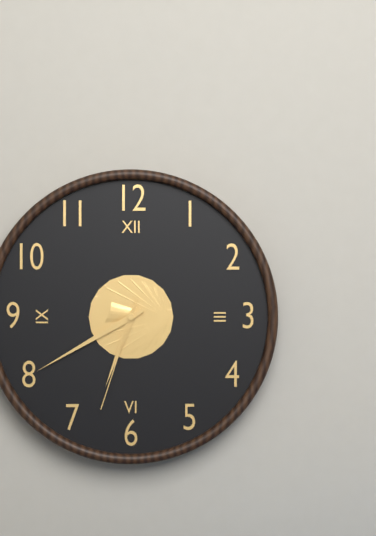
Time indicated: **6:40:33**
